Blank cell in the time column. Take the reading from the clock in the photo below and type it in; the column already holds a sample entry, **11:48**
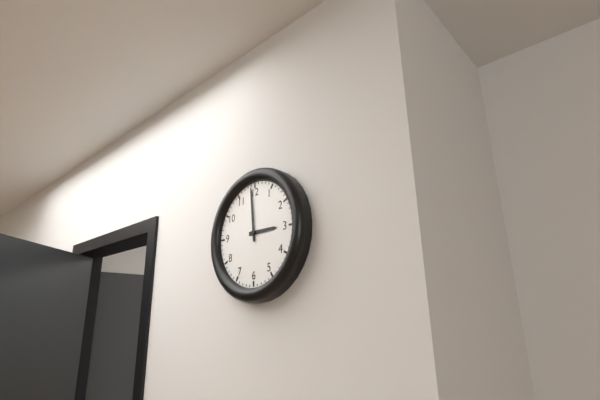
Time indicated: **2:59**
